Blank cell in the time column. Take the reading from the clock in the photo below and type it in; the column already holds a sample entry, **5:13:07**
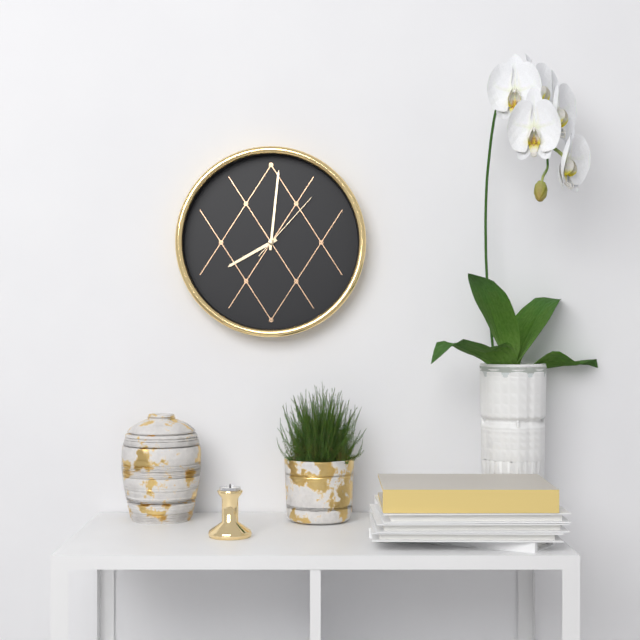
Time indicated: **8:01:07**
